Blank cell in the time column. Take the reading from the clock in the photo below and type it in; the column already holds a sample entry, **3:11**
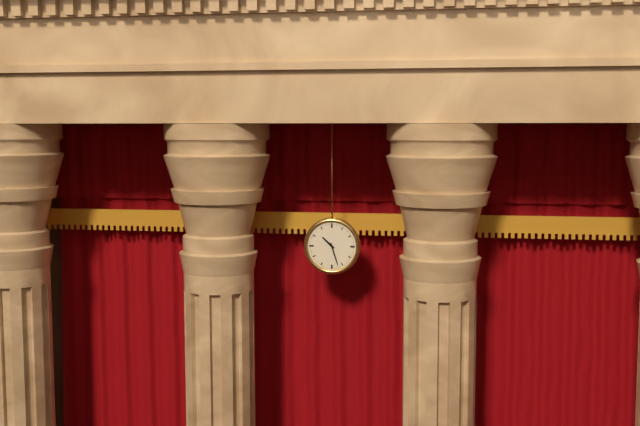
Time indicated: **10:27**
